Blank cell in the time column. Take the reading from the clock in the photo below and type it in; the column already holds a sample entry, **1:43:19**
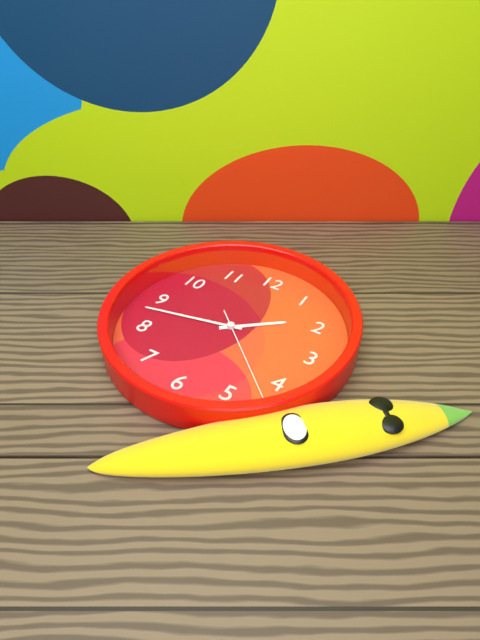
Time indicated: **1:43:22**
